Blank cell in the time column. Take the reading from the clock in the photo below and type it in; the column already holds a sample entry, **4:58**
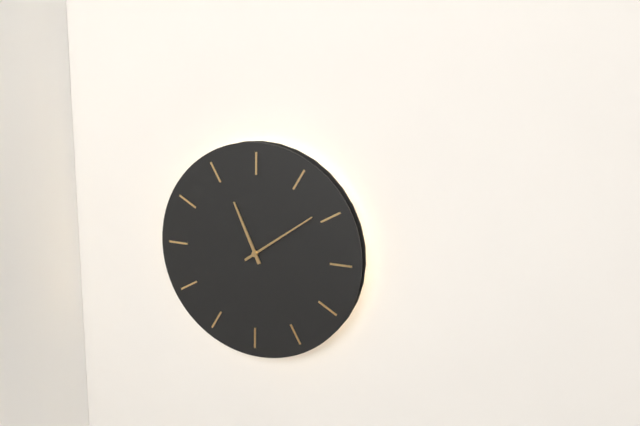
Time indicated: **11:09**
